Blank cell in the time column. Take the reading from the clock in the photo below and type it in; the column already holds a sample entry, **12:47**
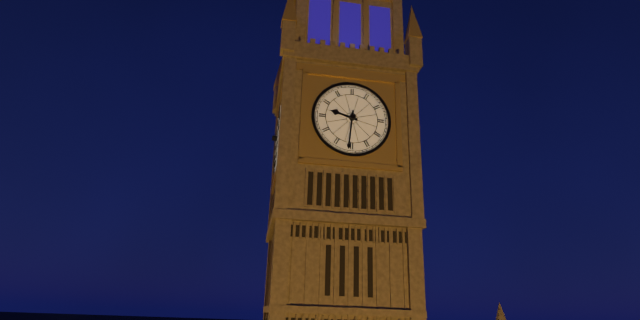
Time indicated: **9:31**
